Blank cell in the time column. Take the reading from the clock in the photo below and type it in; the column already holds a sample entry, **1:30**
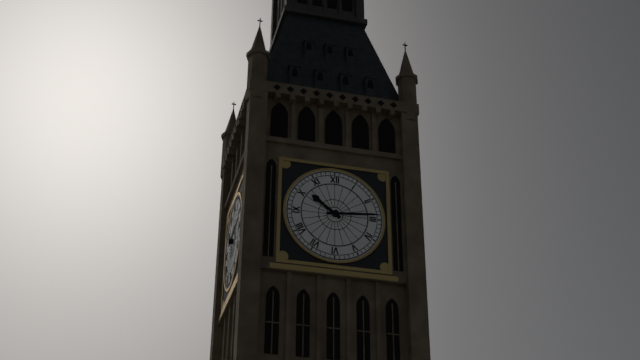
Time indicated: **10:14**
